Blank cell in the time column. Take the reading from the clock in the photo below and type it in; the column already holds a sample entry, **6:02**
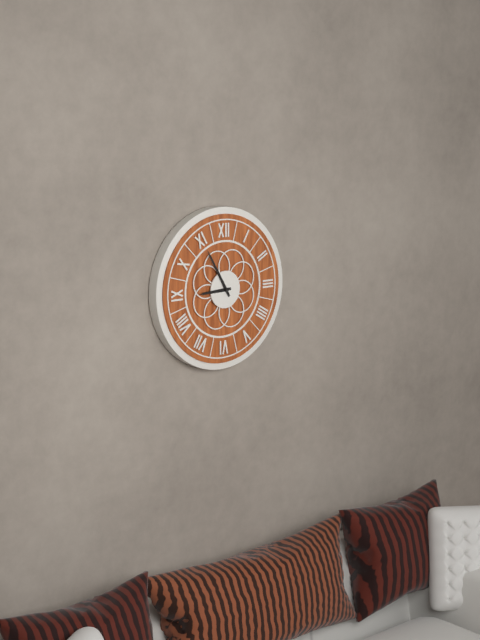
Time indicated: **8:55**
